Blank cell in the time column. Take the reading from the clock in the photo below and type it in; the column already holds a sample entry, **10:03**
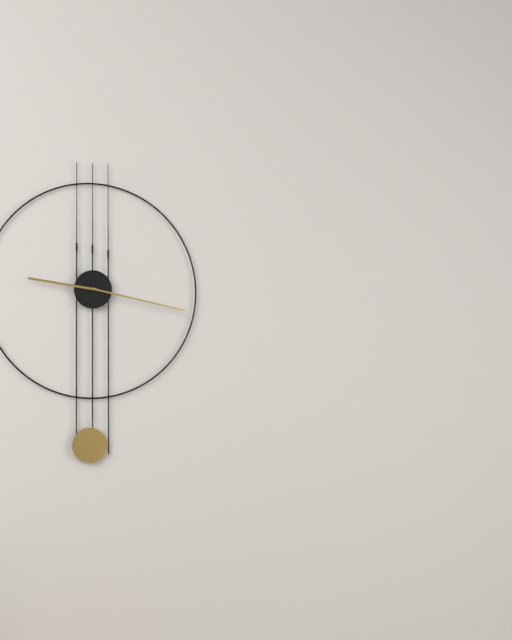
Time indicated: **9:17**
